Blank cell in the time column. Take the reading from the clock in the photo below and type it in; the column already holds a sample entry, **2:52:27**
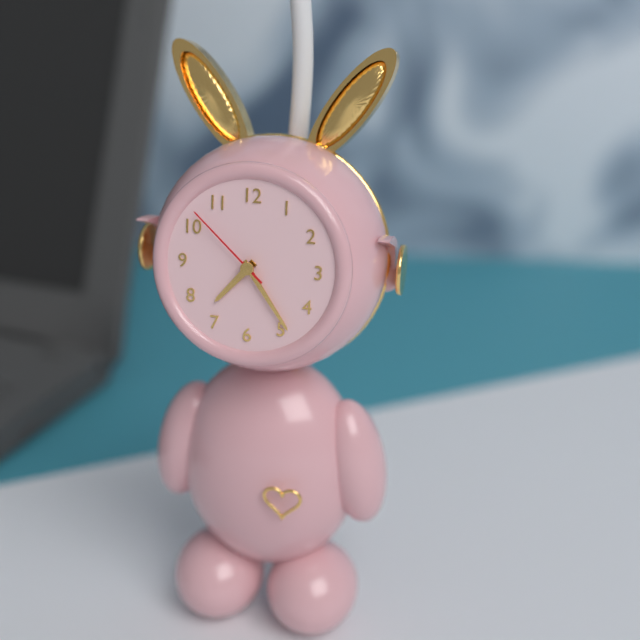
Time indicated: **7:24:52**
